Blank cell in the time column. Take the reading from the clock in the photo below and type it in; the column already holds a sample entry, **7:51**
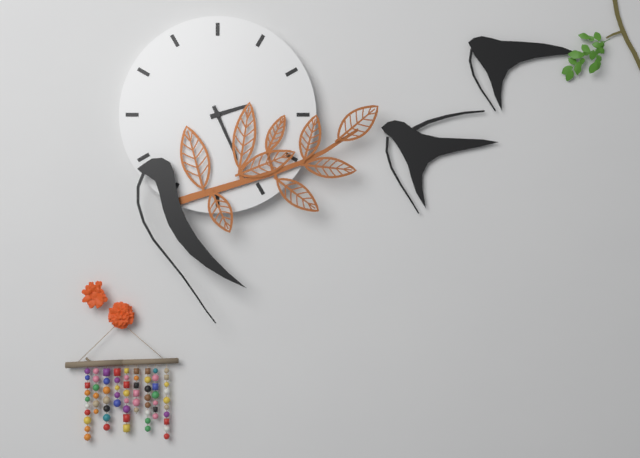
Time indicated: **2:26**
